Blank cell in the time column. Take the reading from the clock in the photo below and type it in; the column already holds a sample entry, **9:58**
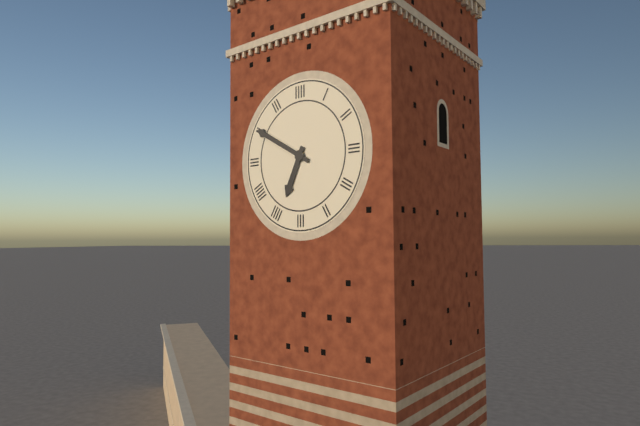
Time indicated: **6:50**
